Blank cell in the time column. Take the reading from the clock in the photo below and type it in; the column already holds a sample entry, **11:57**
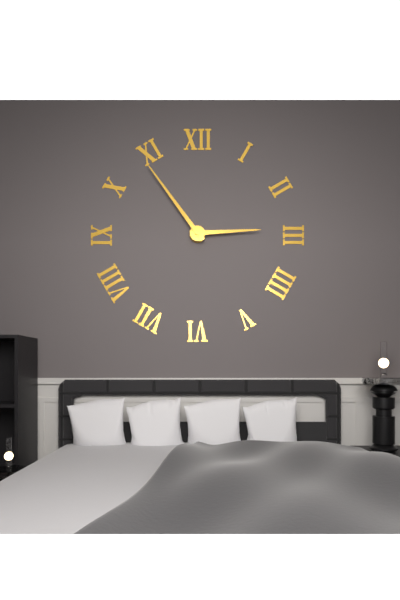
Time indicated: **2:54**
